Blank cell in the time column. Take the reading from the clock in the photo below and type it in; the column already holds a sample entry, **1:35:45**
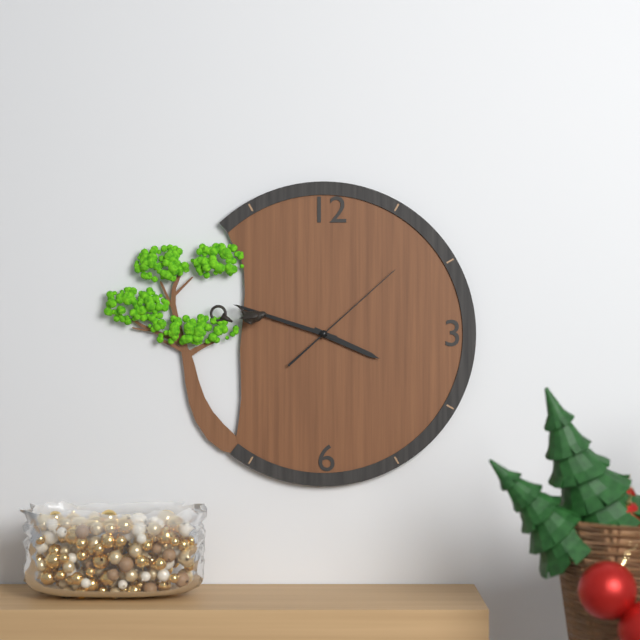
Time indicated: **3:48:08**
